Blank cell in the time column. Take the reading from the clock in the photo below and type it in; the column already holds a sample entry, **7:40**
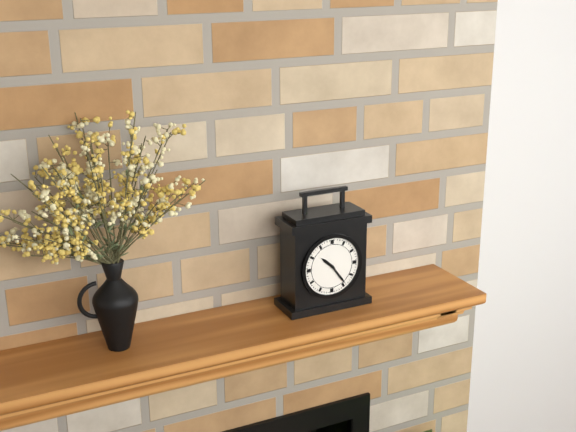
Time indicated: **10:24**
